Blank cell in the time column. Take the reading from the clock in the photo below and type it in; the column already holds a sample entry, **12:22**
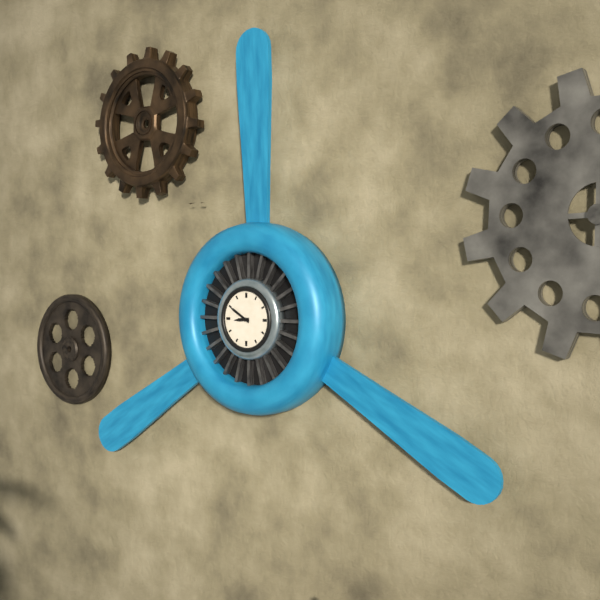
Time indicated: **8:50**
